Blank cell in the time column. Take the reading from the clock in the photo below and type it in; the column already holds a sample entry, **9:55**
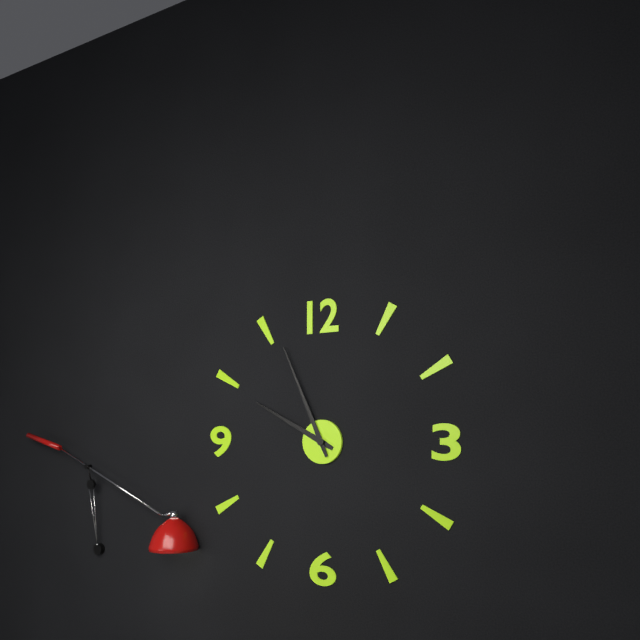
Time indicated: **9:56**
